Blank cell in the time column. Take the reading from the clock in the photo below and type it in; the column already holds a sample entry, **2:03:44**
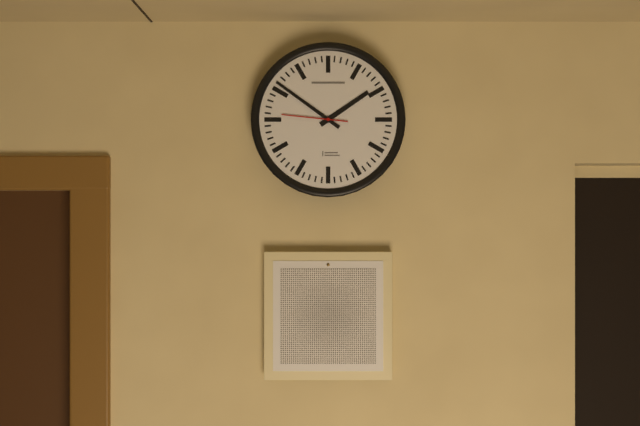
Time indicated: **1:51:46**
